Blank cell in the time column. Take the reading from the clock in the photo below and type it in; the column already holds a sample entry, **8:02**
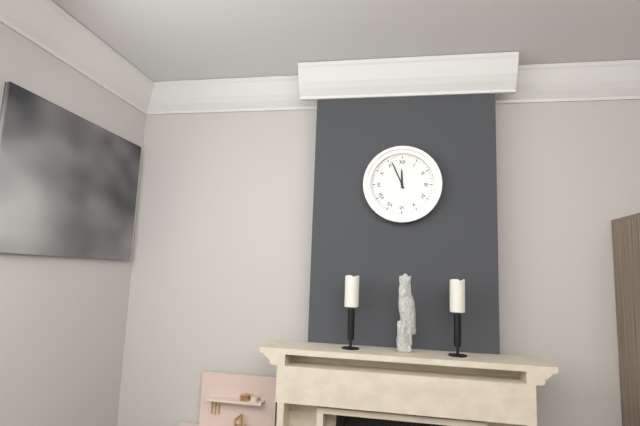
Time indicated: **11:56**
